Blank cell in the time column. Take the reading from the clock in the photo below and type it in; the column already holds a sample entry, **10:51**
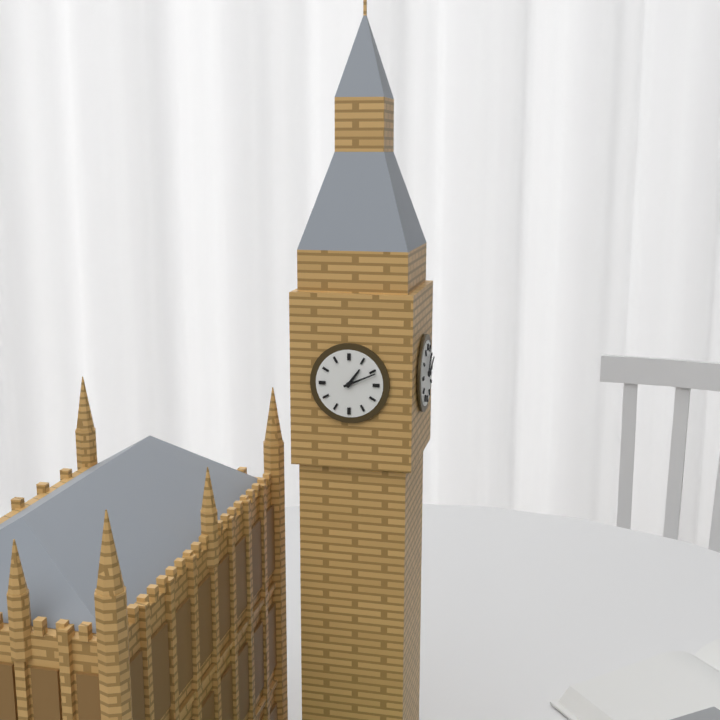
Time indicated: **1:11**
